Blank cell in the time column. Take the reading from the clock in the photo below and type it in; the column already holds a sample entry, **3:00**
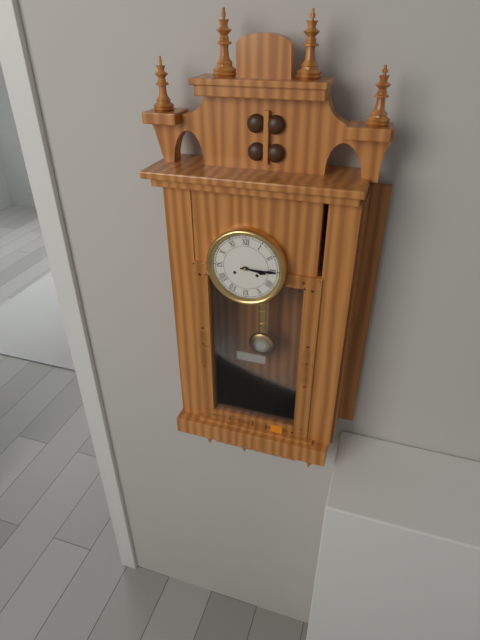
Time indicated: **3:15**
